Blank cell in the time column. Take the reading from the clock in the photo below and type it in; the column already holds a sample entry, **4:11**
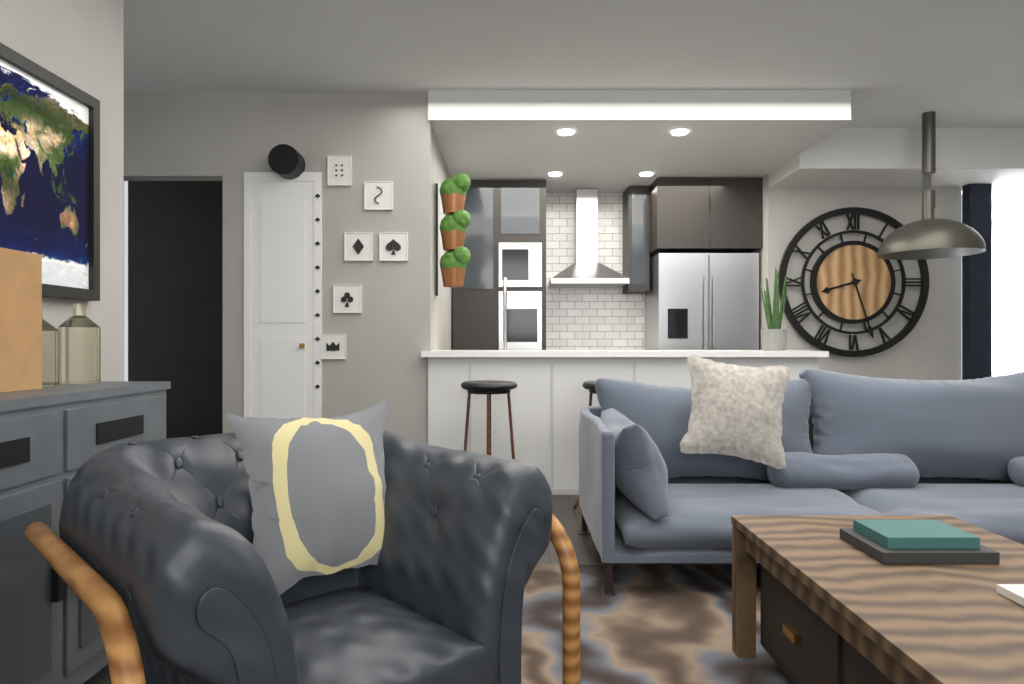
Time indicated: **8:27**
